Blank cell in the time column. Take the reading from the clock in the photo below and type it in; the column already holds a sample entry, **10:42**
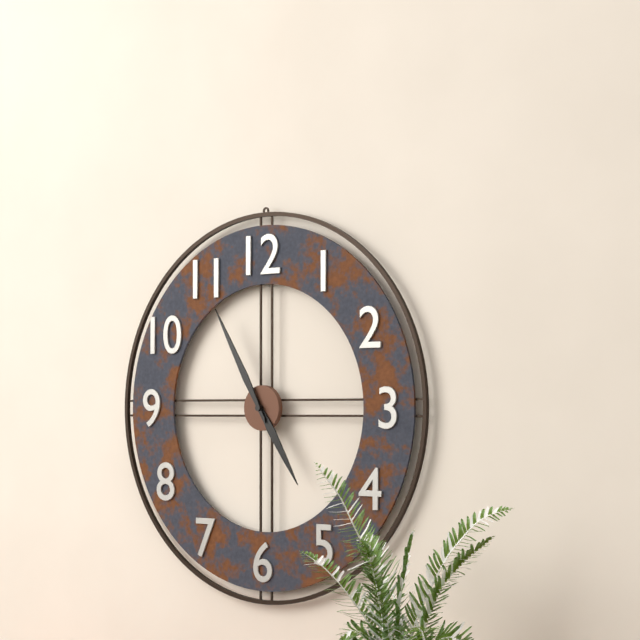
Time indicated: **4:55**
